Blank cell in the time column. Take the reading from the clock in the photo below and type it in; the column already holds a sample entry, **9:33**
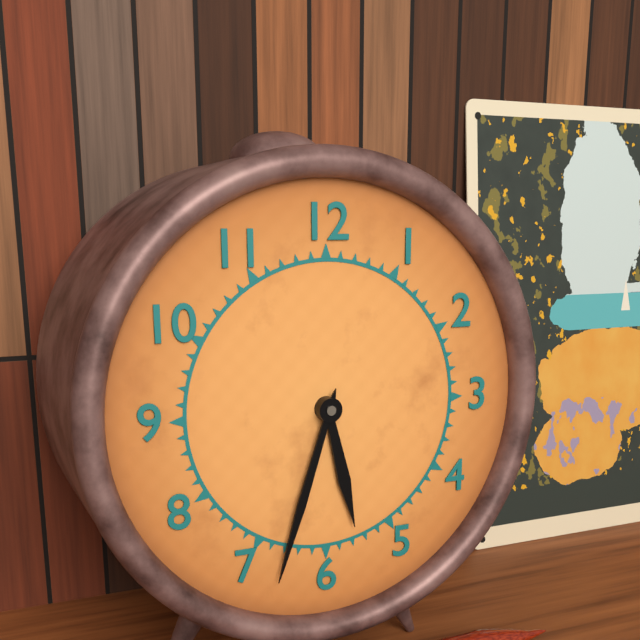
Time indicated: **5:33**
